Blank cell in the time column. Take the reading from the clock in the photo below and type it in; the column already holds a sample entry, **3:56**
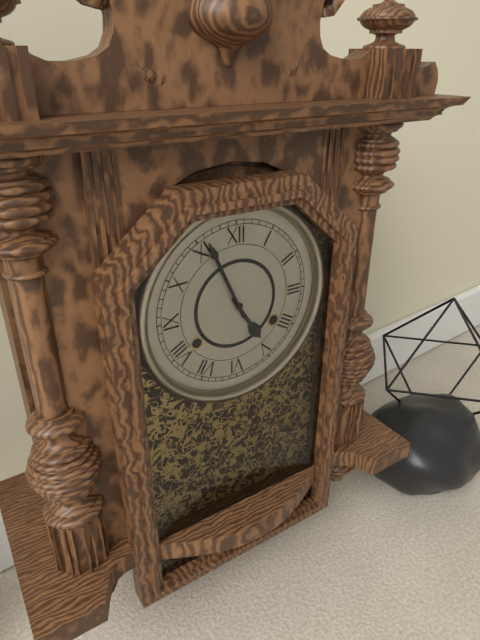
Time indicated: **4:56**
